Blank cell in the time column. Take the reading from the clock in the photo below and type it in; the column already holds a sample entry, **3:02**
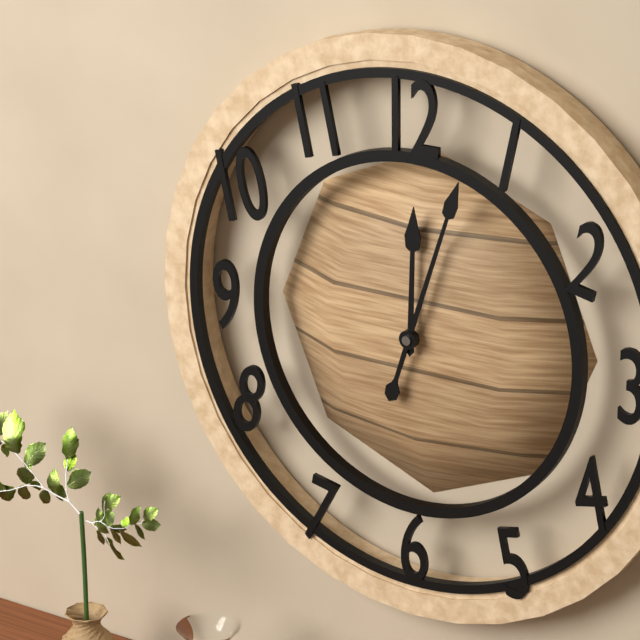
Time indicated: **12:03**
